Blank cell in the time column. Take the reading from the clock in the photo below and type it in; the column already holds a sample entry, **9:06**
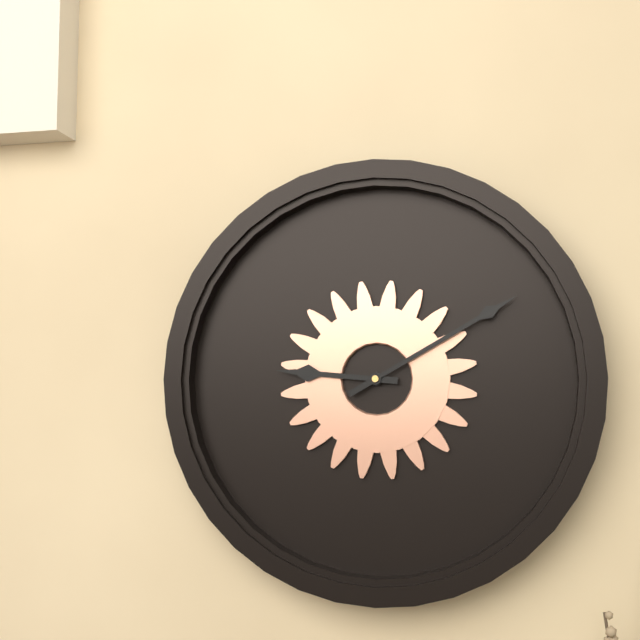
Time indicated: **9:10**
